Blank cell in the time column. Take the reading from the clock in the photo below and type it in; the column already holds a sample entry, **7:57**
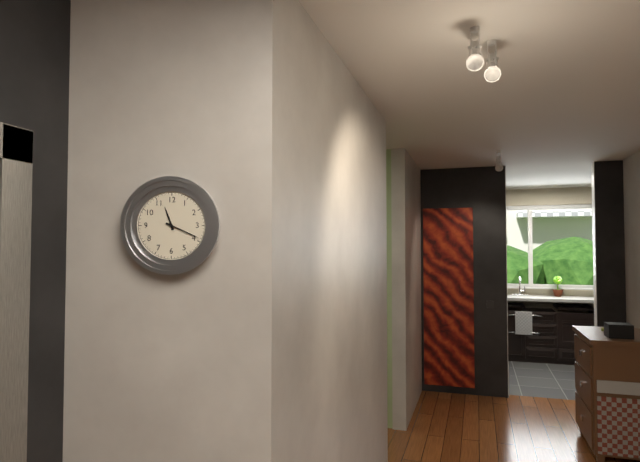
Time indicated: **11:19**
